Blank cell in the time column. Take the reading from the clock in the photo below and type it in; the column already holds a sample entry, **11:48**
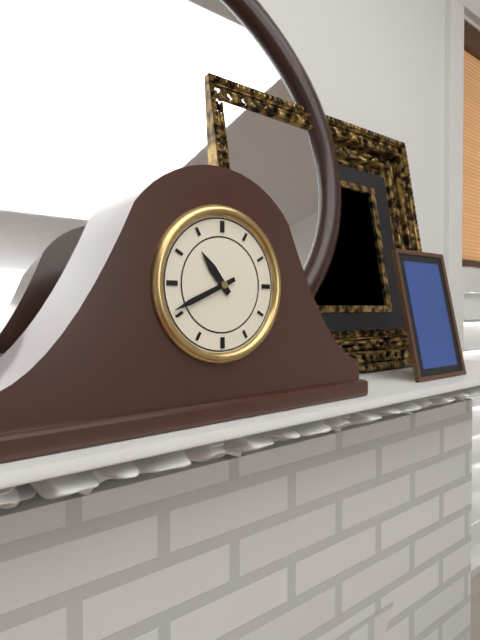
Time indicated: **10:41**
